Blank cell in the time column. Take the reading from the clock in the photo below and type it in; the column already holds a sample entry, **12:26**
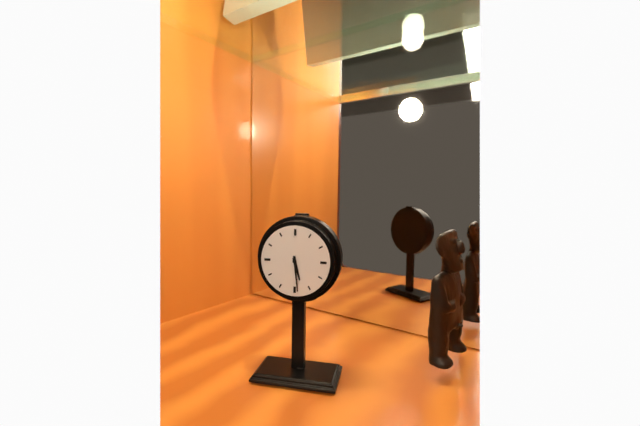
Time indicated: **5:29**
